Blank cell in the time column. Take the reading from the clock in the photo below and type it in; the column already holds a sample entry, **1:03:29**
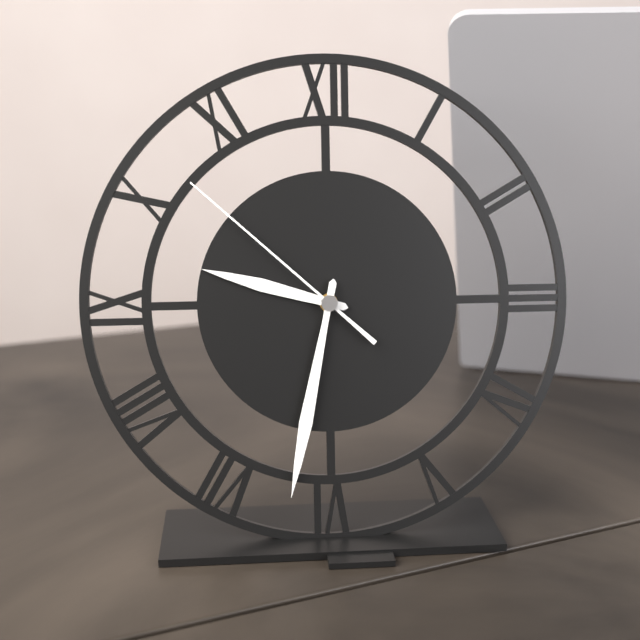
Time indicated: **9:32:52**
